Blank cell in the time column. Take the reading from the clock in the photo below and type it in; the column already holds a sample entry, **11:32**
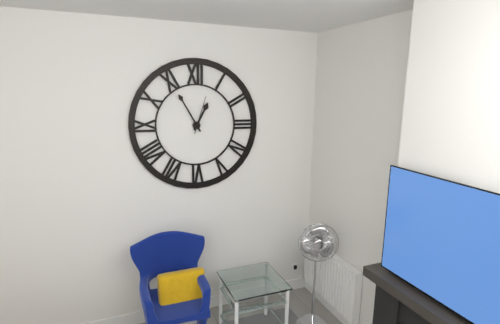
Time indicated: **12:55**
